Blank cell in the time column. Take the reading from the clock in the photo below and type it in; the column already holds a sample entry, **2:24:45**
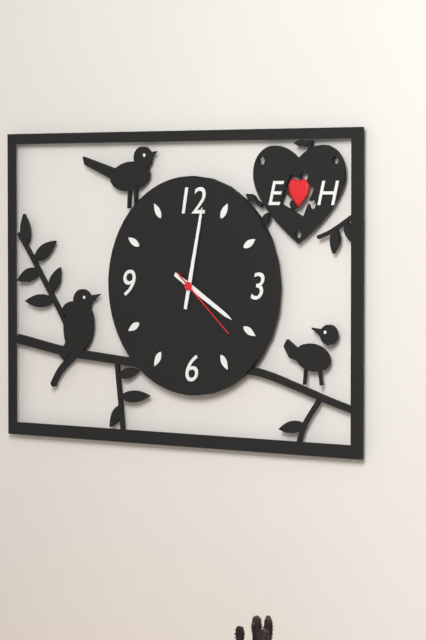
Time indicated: **4:02:22**
